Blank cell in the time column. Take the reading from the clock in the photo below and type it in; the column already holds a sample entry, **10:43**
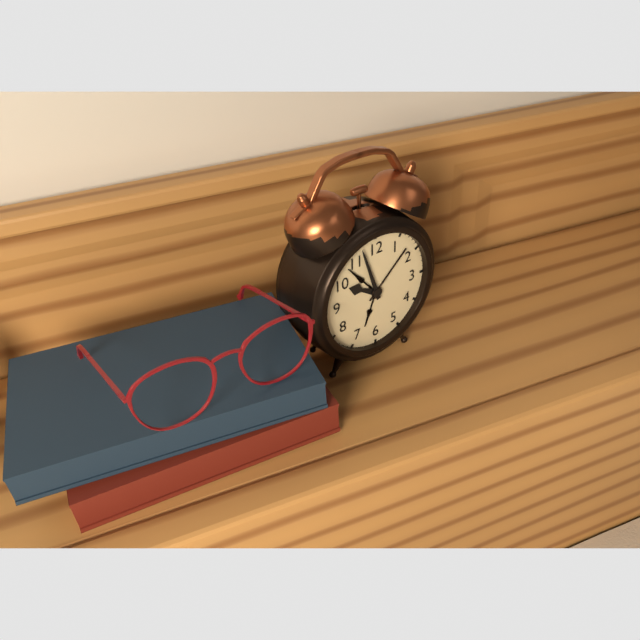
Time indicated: **9:57**
